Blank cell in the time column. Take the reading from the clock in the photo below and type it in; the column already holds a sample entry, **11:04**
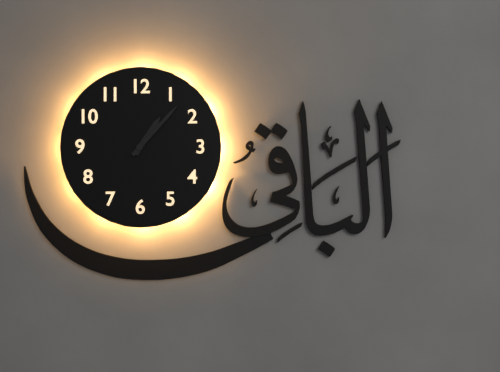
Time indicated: **1:07**
